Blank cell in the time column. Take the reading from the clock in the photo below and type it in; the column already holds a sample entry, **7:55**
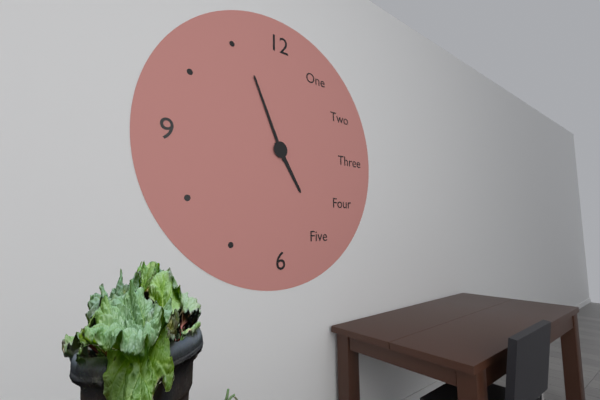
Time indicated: **4:56**
